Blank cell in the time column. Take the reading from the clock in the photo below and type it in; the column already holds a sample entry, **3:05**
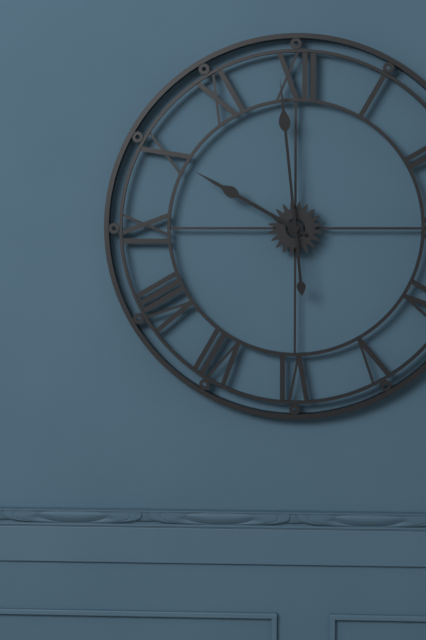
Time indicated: **9:59**
